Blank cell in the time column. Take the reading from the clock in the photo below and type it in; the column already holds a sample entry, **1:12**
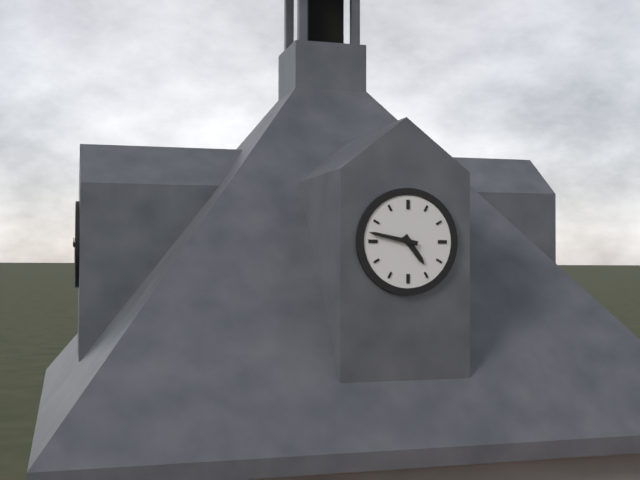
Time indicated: **4:47**
